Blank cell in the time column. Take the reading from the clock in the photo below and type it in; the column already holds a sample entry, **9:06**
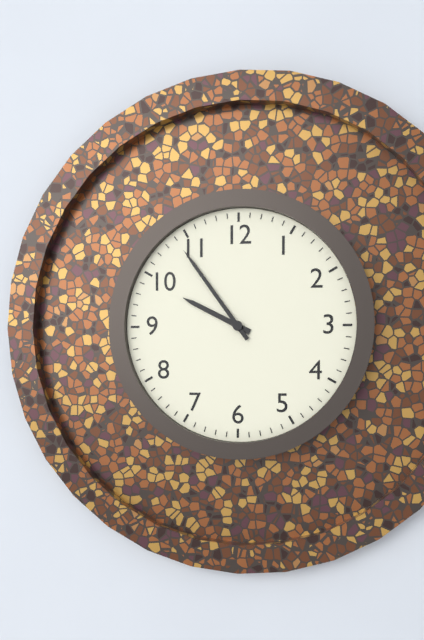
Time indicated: **9:54**
